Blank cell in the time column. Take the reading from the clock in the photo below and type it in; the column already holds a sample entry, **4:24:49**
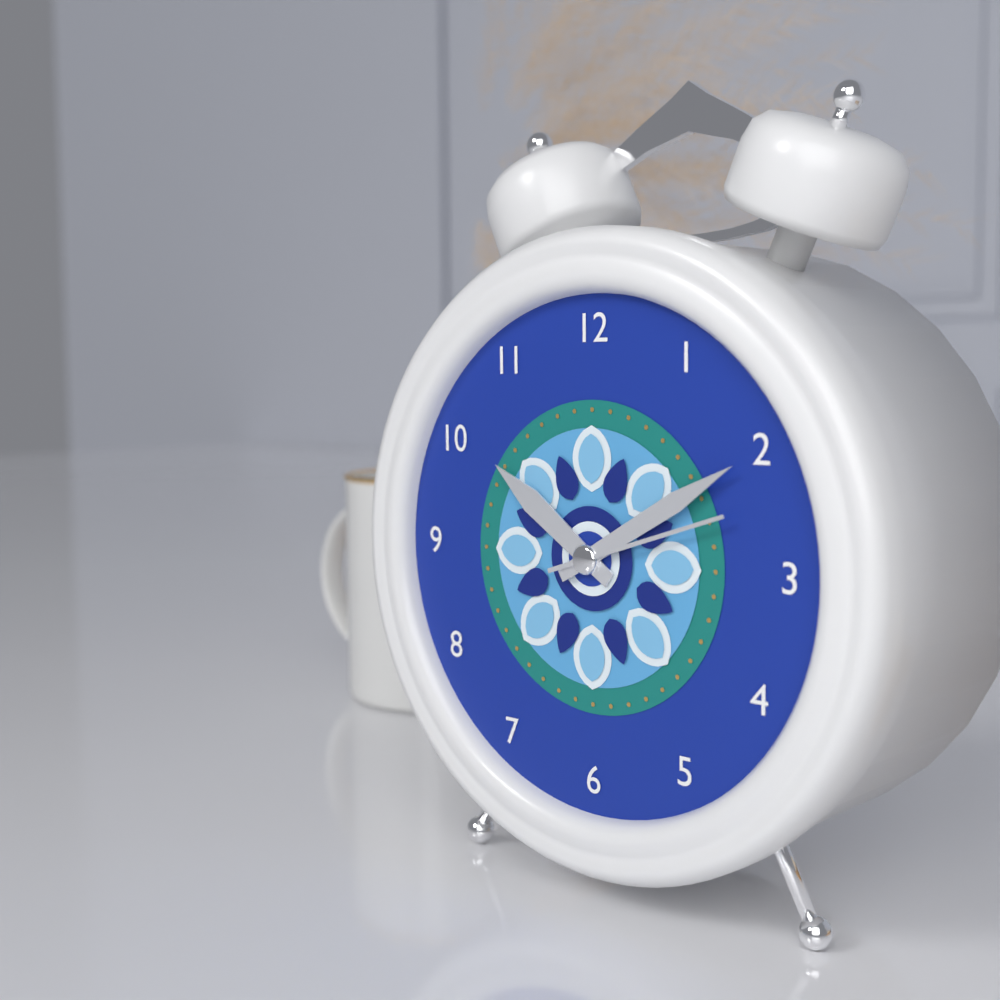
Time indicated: **10:10:12**
